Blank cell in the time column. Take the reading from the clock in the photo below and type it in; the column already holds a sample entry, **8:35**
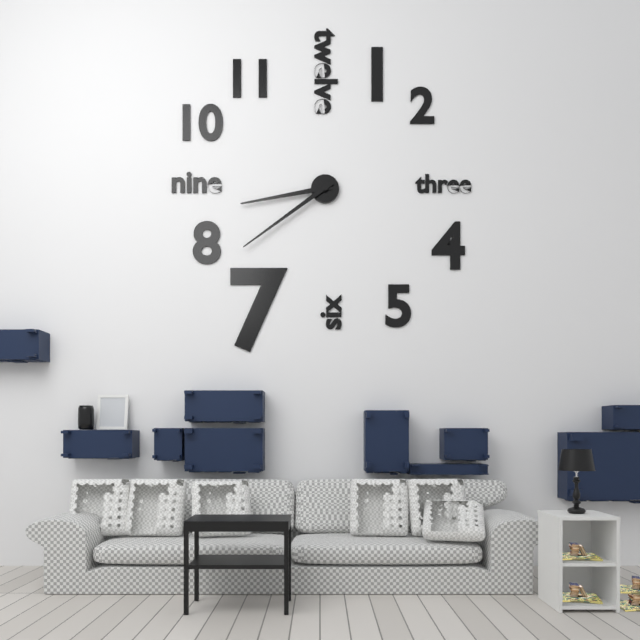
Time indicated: **8:39**
